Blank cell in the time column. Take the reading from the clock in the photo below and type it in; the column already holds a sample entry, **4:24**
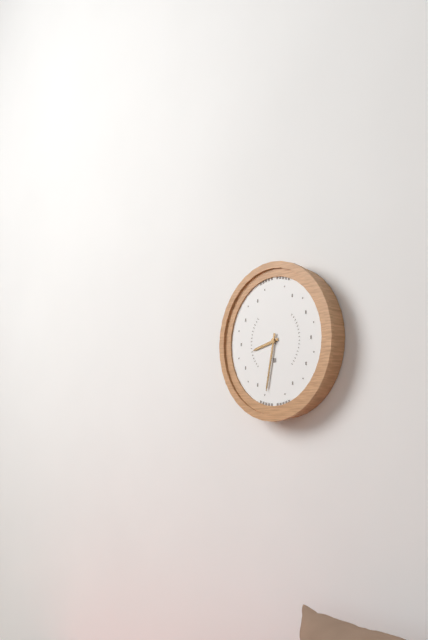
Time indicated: **8:32**
